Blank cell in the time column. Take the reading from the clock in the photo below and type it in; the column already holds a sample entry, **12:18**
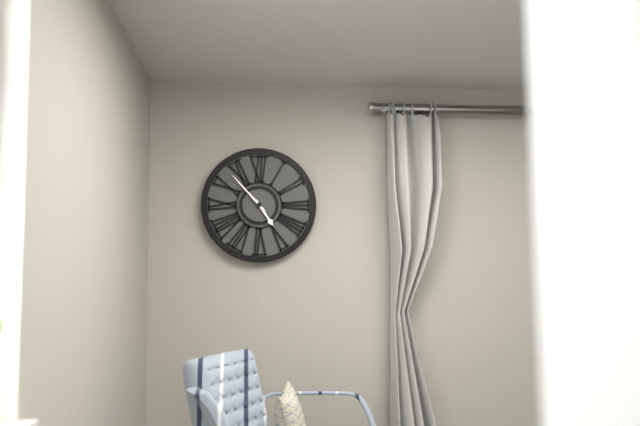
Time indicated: **4:53**
